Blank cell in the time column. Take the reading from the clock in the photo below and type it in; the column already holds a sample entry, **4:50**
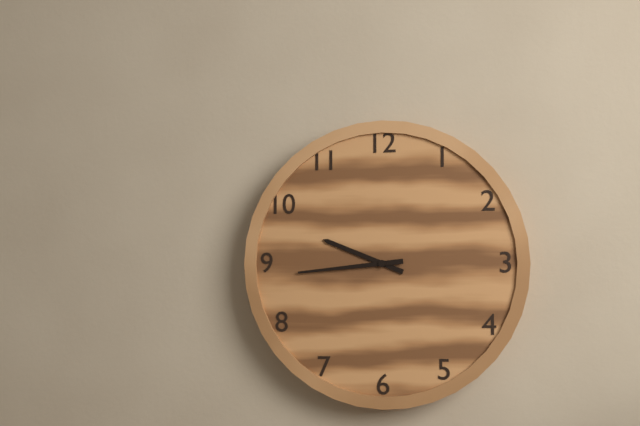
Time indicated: **9:44**
